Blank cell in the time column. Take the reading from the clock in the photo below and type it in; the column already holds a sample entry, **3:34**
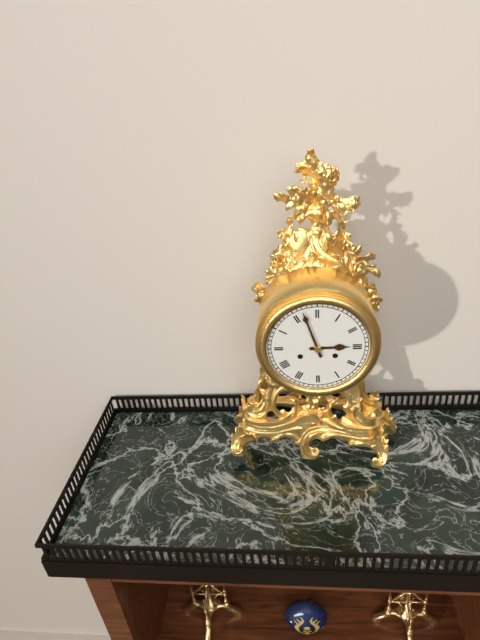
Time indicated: **2:57**
